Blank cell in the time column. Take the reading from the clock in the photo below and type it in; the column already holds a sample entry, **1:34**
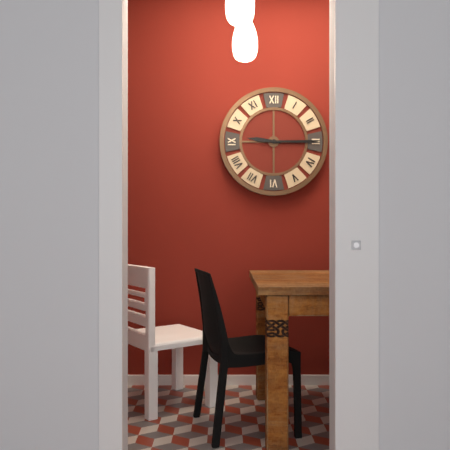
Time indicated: **9:15**
